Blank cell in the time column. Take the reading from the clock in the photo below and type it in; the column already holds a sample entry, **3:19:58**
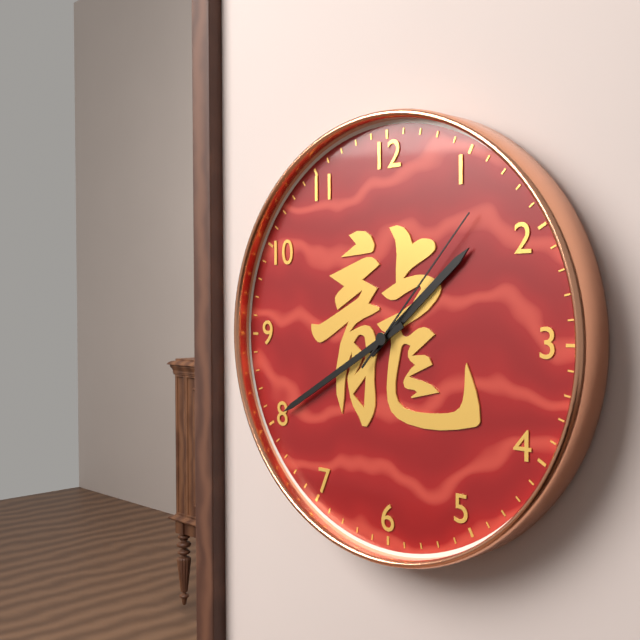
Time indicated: **1:40:07**
